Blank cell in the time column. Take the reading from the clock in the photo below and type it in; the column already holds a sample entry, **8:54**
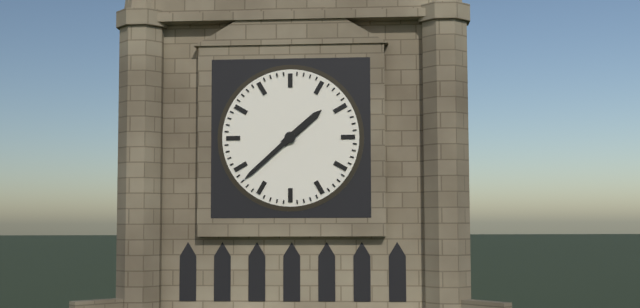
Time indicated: **1:38**
